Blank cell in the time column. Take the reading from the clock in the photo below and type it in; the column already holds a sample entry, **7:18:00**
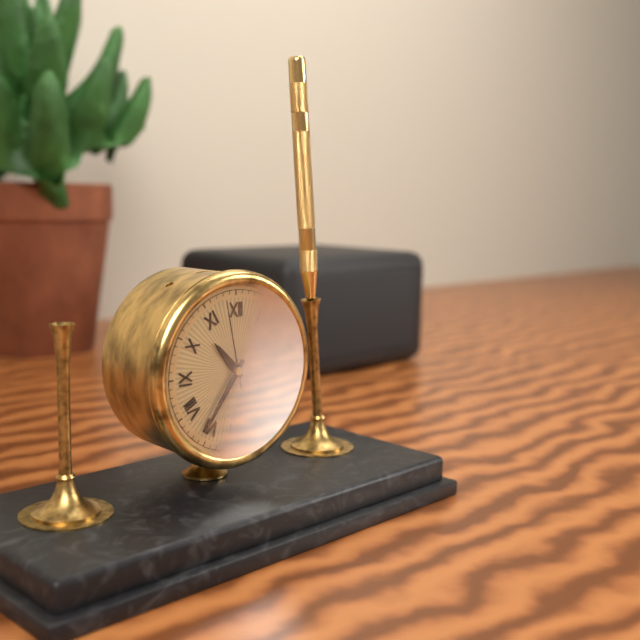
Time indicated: **10:36:58**
